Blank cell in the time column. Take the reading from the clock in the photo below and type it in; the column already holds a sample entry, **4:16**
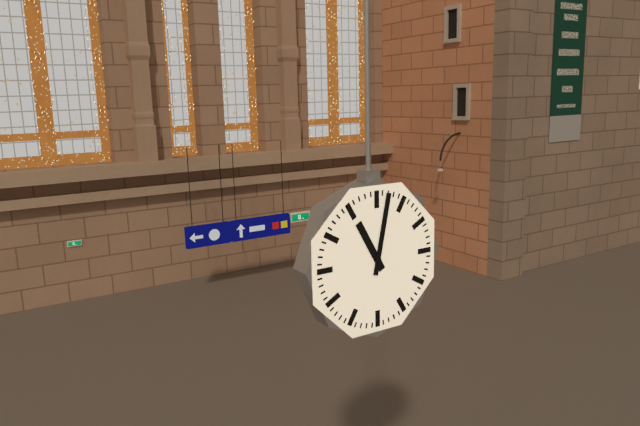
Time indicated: **11:02**
